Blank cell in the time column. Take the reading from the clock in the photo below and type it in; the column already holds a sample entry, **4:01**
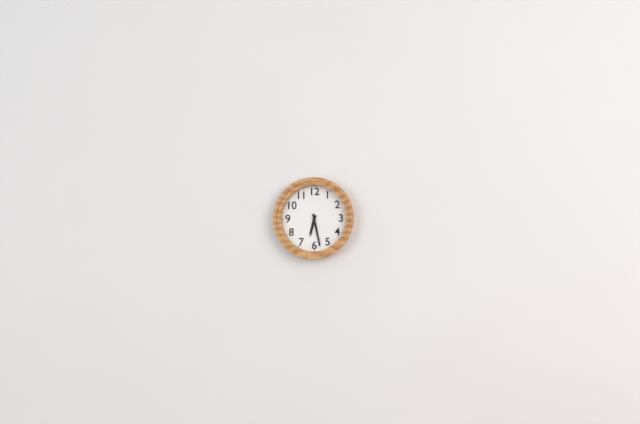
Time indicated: **6:28**
